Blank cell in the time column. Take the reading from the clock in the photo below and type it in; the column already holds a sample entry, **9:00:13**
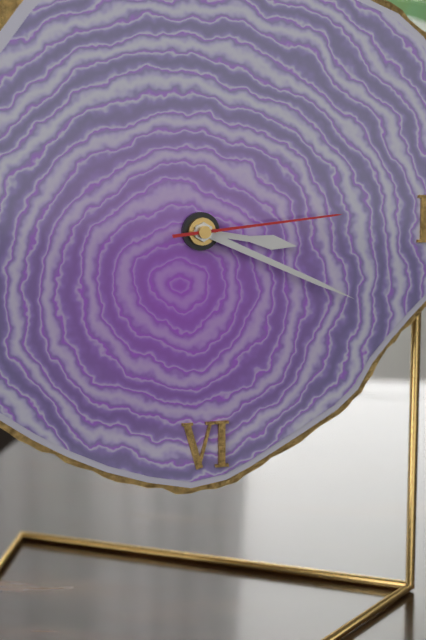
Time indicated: **3:19:14**
